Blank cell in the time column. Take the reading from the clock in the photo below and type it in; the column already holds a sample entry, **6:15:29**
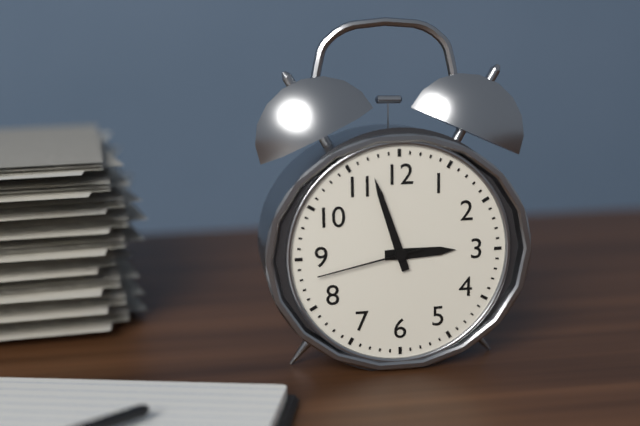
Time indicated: **2:57:43**
